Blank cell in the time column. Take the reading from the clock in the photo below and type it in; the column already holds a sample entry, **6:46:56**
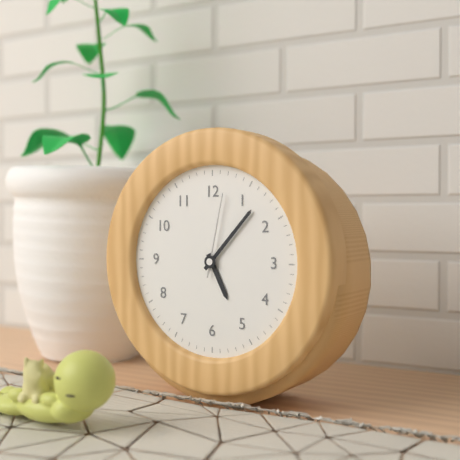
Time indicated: **5:07:02**
